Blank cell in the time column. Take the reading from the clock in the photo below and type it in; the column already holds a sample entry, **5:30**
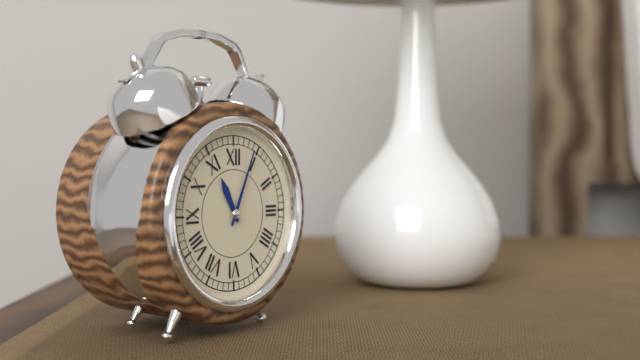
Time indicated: **11:04**
